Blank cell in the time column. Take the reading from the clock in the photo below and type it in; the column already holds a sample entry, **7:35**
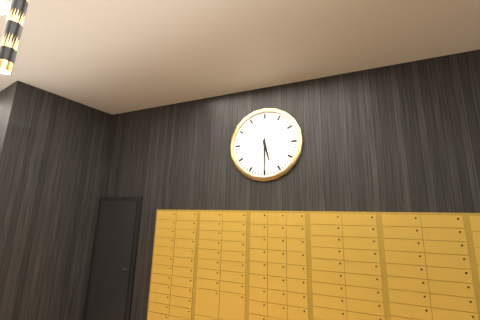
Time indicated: **5:30**
